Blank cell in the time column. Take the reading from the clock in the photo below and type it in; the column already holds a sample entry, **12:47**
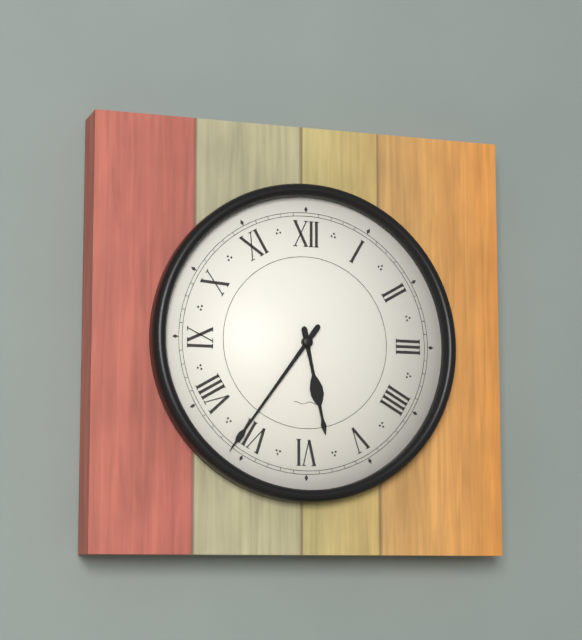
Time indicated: **5:36**
